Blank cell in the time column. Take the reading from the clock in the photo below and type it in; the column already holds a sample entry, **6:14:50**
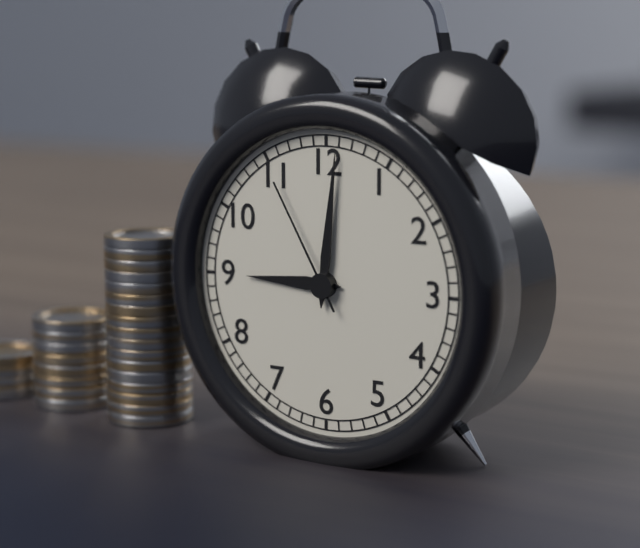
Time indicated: **9:01:55**
